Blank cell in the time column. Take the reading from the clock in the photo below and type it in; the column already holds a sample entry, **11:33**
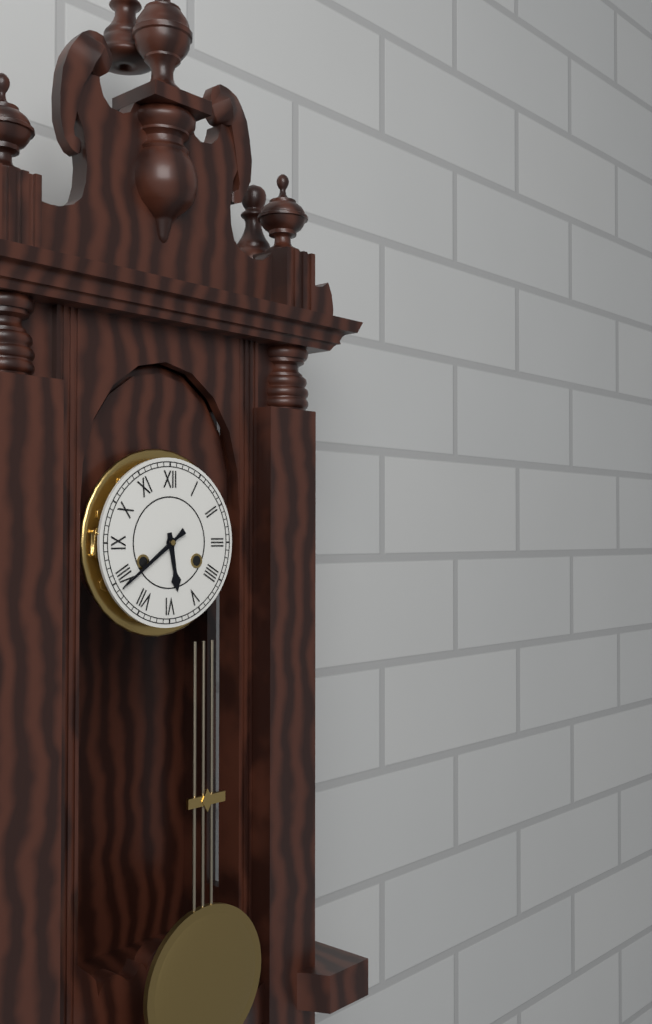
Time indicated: **5:39**
